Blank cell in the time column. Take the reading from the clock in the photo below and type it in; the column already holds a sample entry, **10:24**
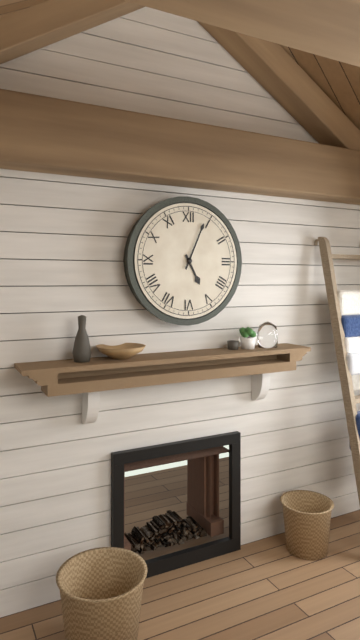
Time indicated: **5:04**
